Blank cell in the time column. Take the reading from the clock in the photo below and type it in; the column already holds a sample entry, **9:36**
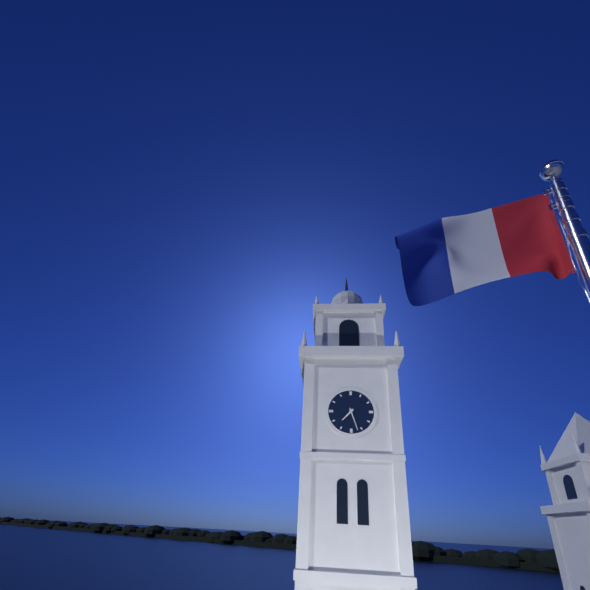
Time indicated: **7:27**
